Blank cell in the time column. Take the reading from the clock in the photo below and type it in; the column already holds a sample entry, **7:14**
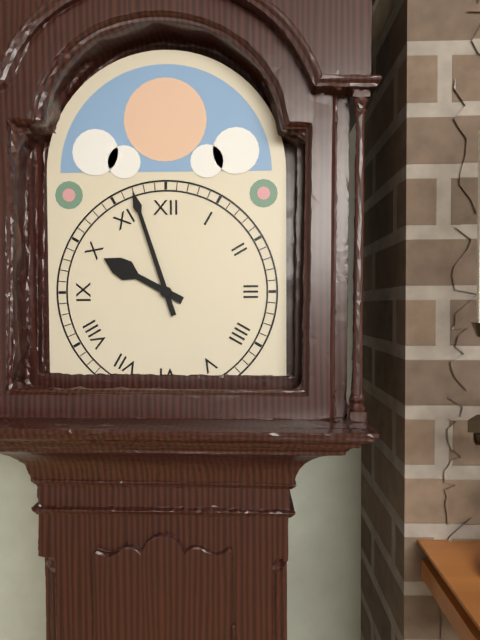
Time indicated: **9:57**
